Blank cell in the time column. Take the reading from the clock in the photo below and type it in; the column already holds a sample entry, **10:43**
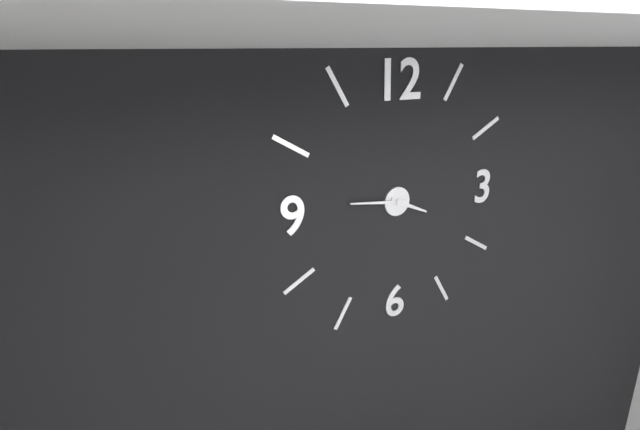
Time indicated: **3:46**
